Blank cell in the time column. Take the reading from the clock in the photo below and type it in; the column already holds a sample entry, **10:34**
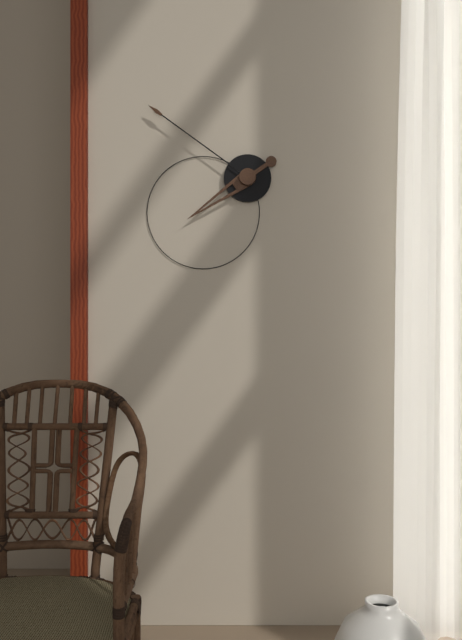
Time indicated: **7:51**
